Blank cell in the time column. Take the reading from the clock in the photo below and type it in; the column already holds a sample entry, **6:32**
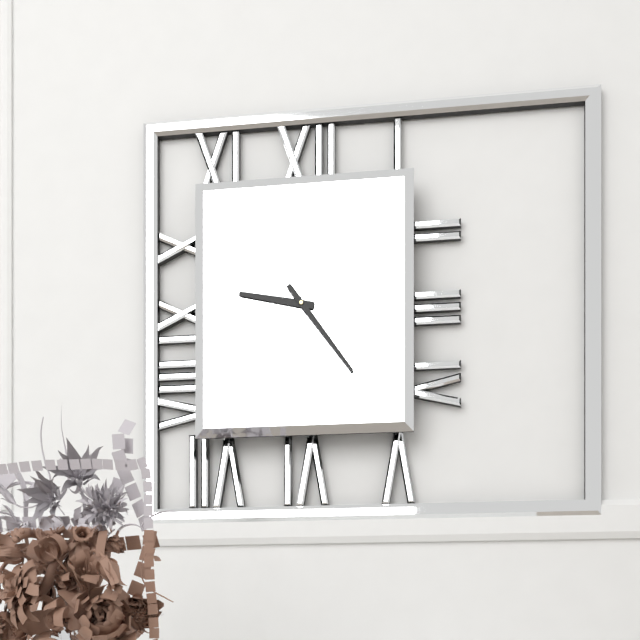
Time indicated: **9:24**
